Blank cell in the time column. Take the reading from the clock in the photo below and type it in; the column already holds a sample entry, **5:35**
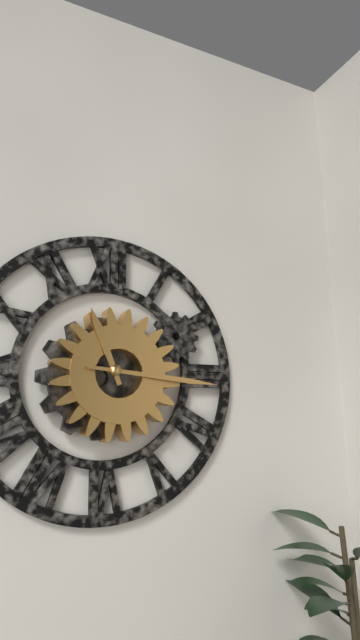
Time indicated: **11:16**
